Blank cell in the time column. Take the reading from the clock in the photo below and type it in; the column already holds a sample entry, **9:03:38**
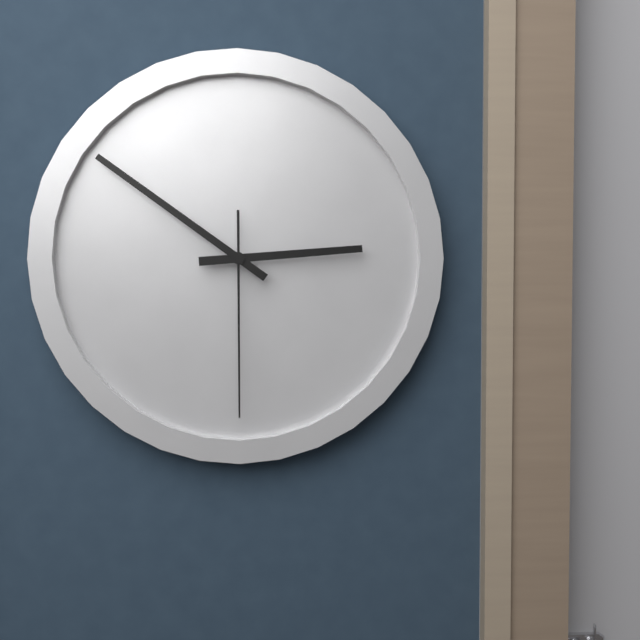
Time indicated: **2:51:30**
